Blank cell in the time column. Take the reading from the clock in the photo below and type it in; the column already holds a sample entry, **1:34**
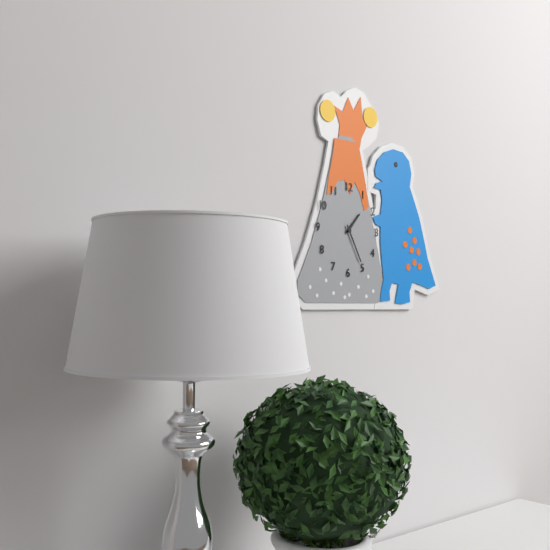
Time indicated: **1:25**
